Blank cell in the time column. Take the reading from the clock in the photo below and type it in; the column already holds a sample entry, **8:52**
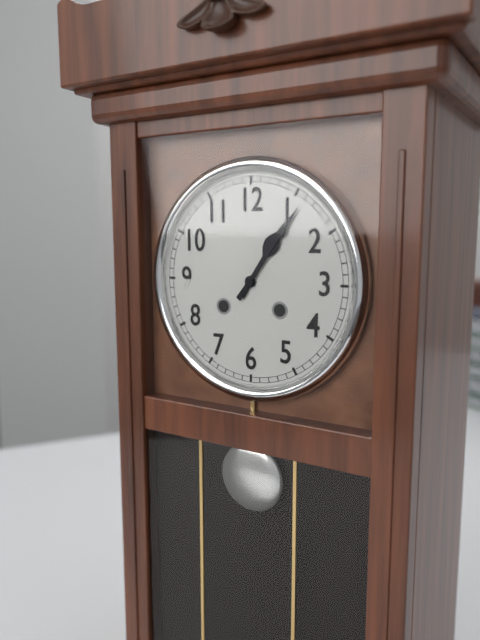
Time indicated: **1:06**
